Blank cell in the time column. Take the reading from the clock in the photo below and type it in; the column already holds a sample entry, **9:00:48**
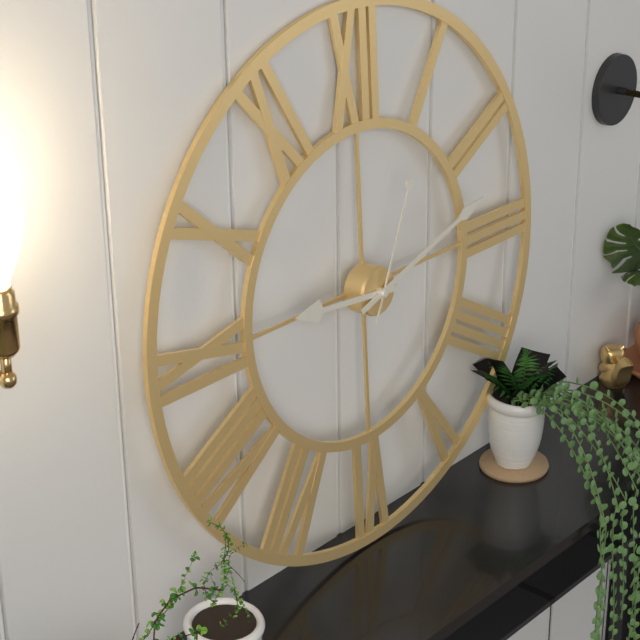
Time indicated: **9:12:04**
